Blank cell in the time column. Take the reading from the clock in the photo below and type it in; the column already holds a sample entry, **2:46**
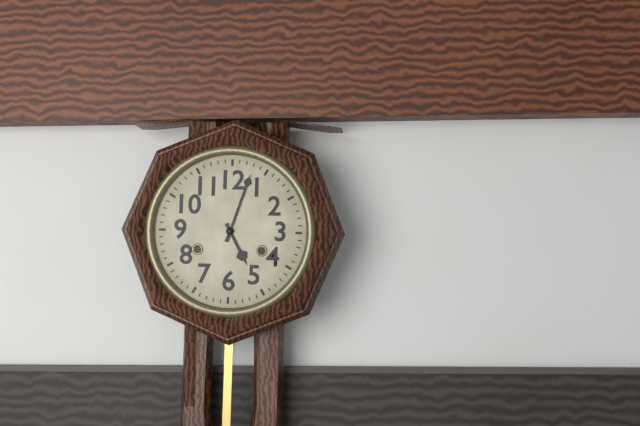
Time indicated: **5:03**
